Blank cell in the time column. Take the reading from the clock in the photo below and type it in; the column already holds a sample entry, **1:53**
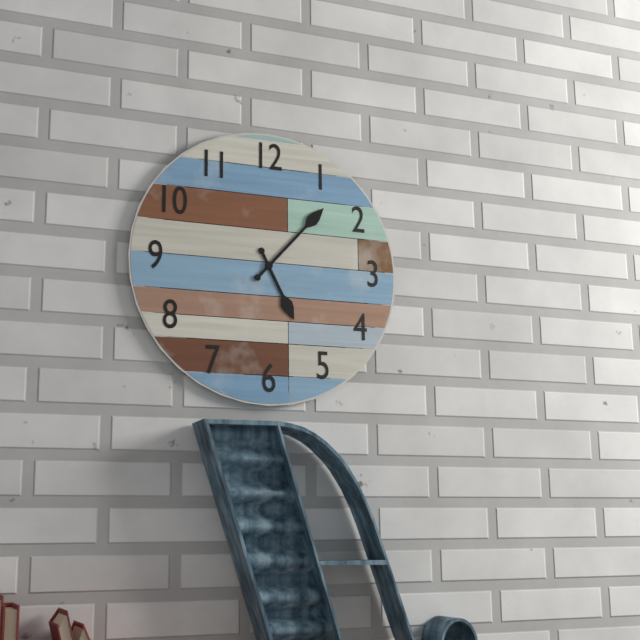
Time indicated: **5:07**
